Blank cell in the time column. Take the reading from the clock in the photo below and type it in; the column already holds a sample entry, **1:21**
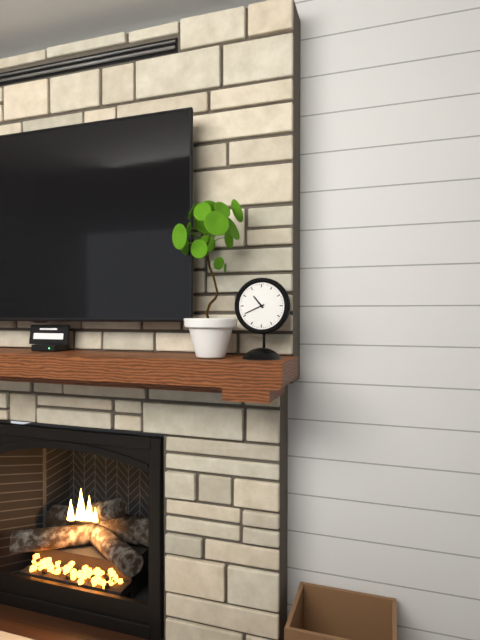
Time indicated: **10:41**
